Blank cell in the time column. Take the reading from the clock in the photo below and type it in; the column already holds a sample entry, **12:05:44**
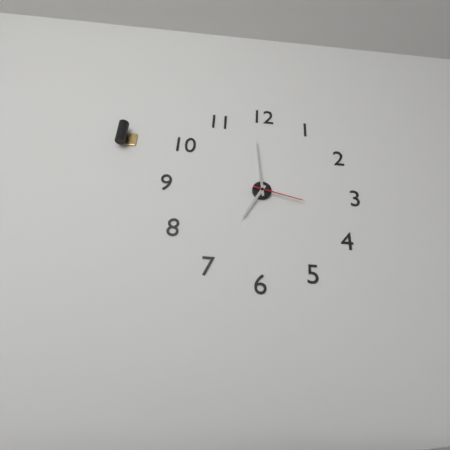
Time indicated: **6:59:17**
